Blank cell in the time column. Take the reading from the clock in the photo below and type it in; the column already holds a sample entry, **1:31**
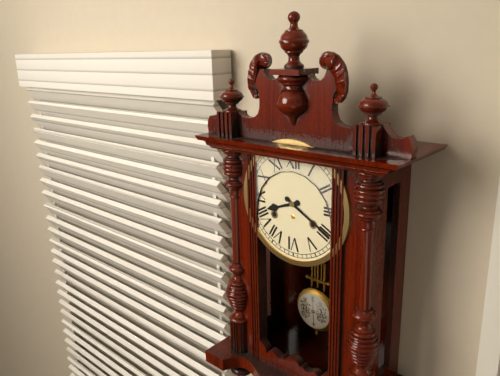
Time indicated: **8:20**
